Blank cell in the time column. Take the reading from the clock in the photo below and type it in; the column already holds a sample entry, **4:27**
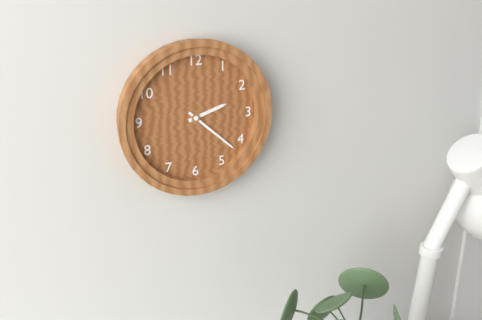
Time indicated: **2:22**
